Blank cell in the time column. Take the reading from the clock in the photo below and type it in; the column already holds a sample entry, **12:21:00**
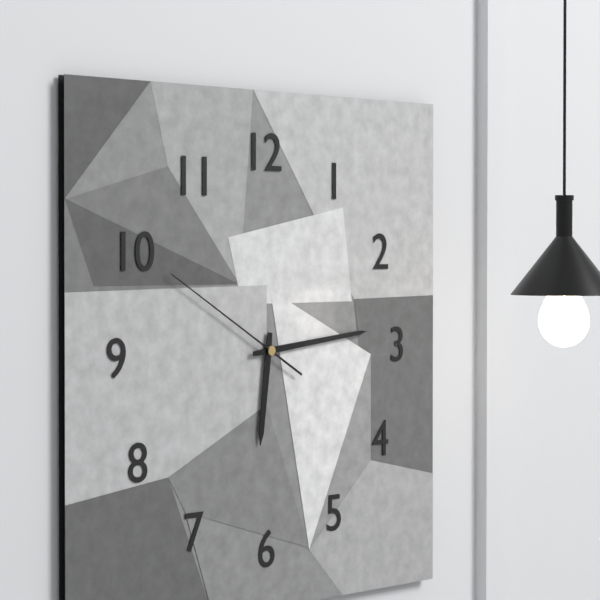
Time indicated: **6:14:50**
